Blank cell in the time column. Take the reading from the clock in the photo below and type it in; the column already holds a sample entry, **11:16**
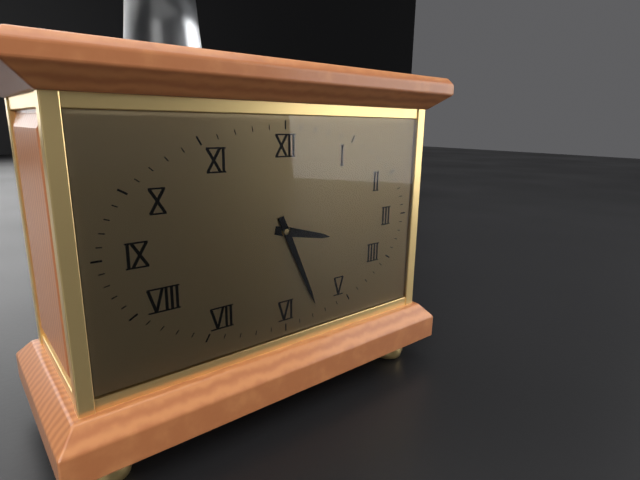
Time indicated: **3:26**
